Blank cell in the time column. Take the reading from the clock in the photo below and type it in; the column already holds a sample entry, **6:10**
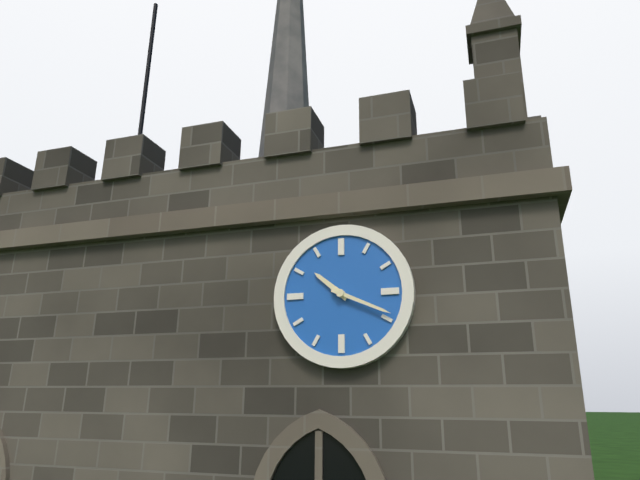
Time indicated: **10:19**
